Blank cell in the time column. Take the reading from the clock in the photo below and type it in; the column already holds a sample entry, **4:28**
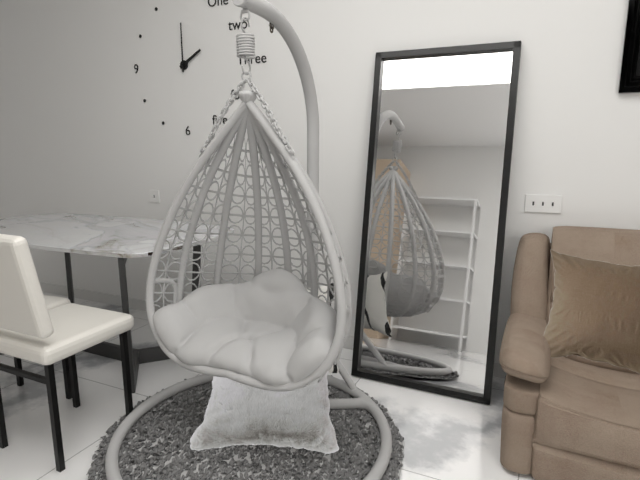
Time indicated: **2:00**
